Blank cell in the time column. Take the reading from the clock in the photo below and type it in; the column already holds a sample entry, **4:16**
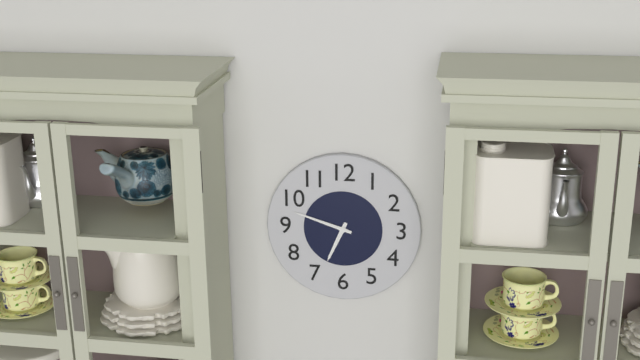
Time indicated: **6:48**
